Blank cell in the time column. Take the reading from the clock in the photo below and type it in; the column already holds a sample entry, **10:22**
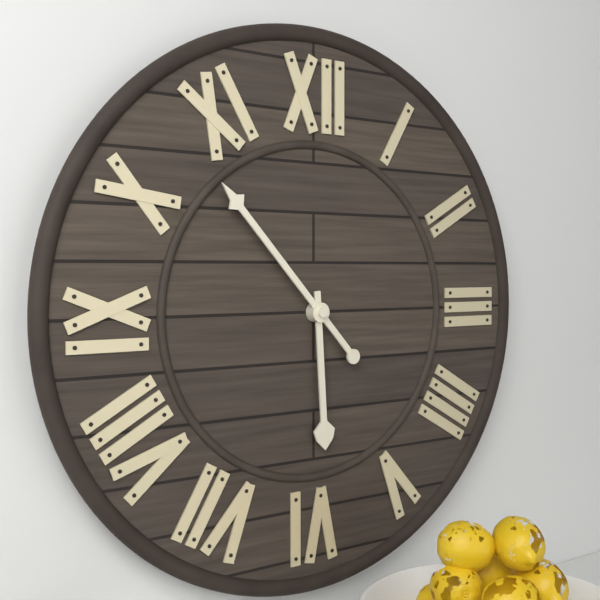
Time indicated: **5:53**
